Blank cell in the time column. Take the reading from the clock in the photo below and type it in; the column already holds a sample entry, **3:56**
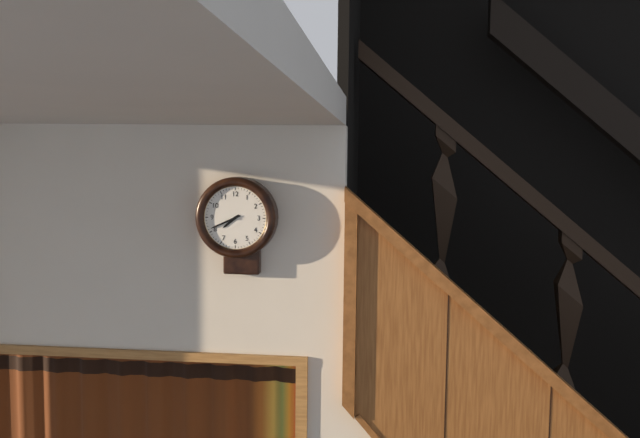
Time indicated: **7:41**
